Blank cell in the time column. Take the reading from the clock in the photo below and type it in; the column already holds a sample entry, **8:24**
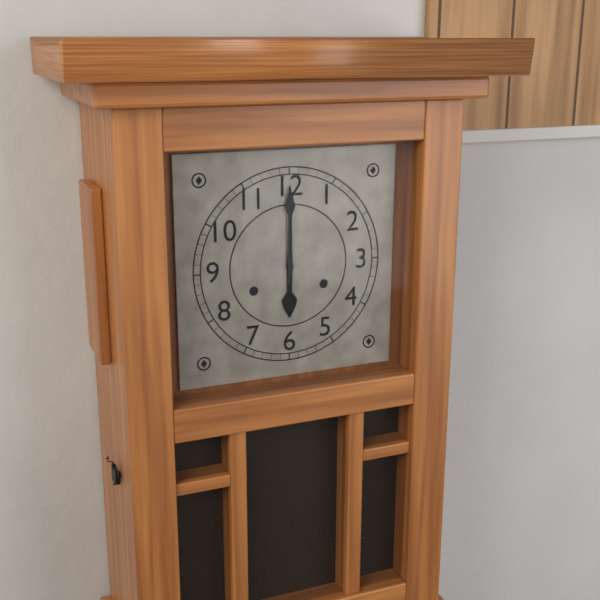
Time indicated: **6:00**
